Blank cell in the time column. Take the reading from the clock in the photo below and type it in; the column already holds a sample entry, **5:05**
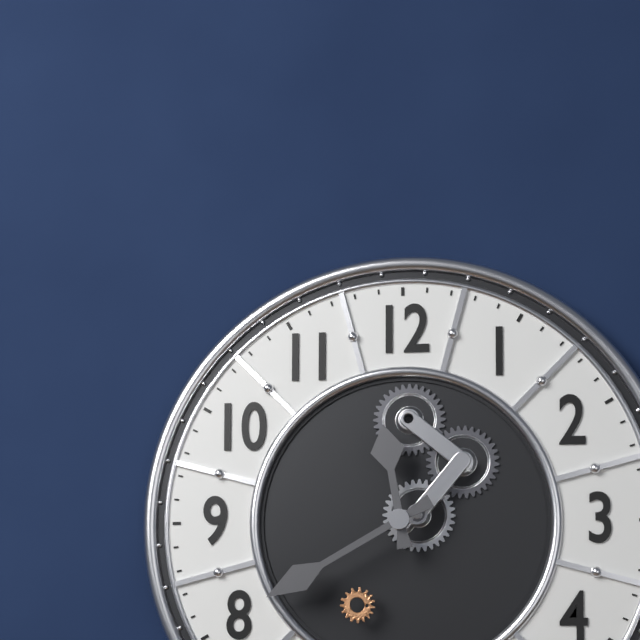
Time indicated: **11:40**
